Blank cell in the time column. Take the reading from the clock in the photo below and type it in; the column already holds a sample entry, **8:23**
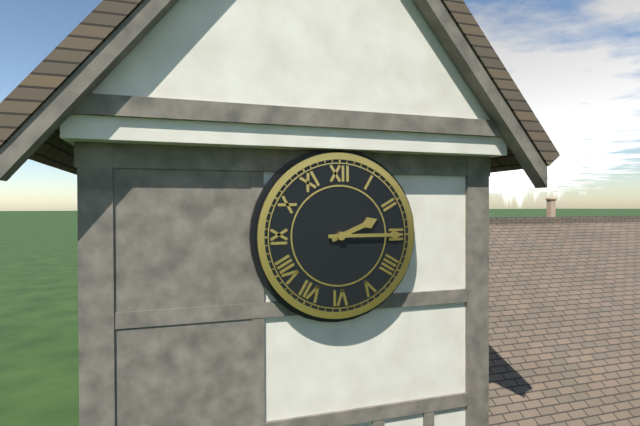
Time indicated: **2:15**
